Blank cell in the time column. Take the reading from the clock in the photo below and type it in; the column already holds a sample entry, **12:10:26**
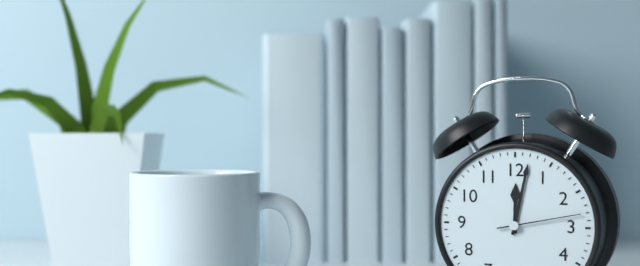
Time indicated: **12:02:13**
